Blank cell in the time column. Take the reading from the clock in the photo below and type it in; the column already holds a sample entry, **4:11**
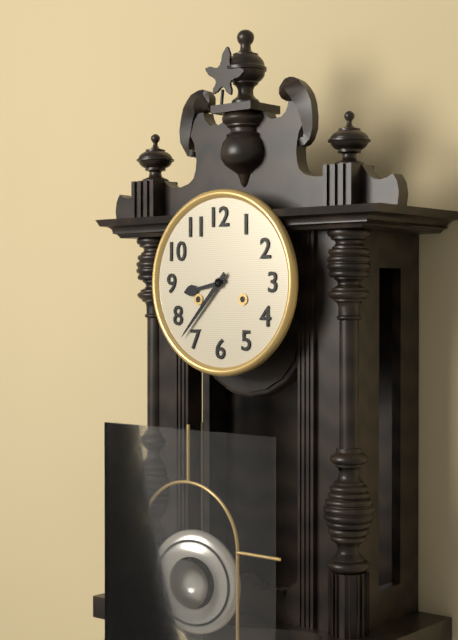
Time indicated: **8:37**
